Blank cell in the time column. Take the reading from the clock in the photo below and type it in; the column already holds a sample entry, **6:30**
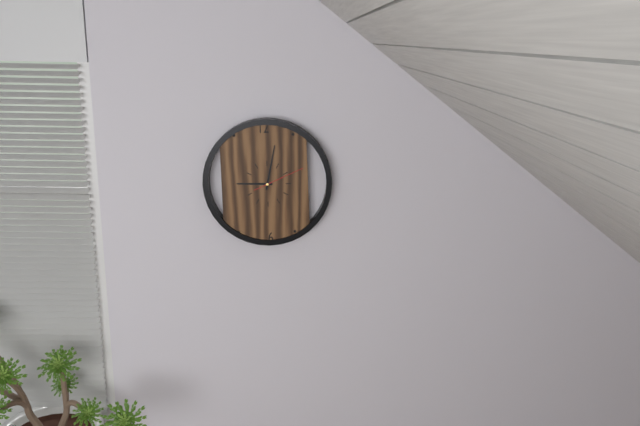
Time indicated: **9:02**
